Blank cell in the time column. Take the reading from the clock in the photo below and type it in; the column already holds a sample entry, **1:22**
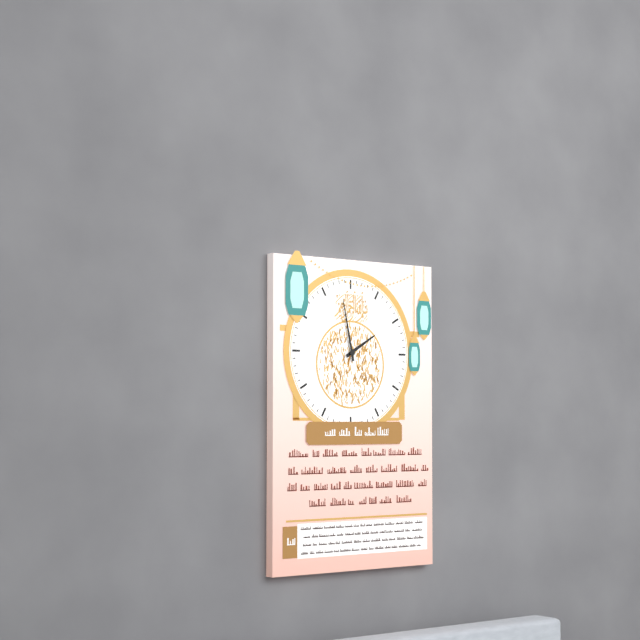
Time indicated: **1:58**
